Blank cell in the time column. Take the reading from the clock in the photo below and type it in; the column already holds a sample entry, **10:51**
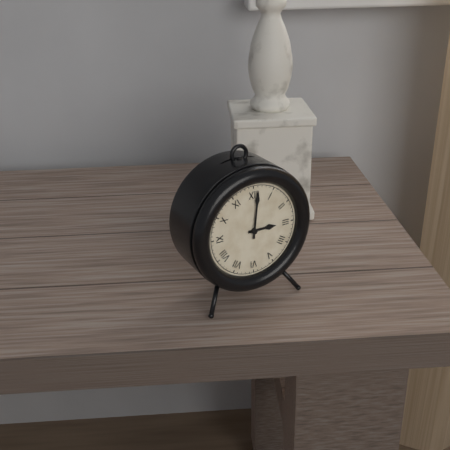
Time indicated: **3:01**
